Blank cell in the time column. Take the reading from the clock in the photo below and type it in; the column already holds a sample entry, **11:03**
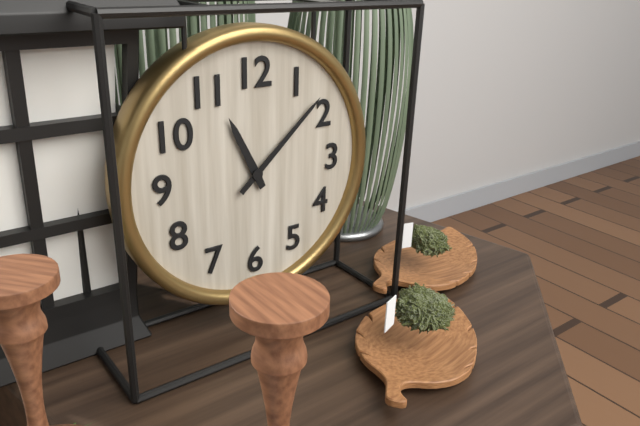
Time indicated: **11:08**
